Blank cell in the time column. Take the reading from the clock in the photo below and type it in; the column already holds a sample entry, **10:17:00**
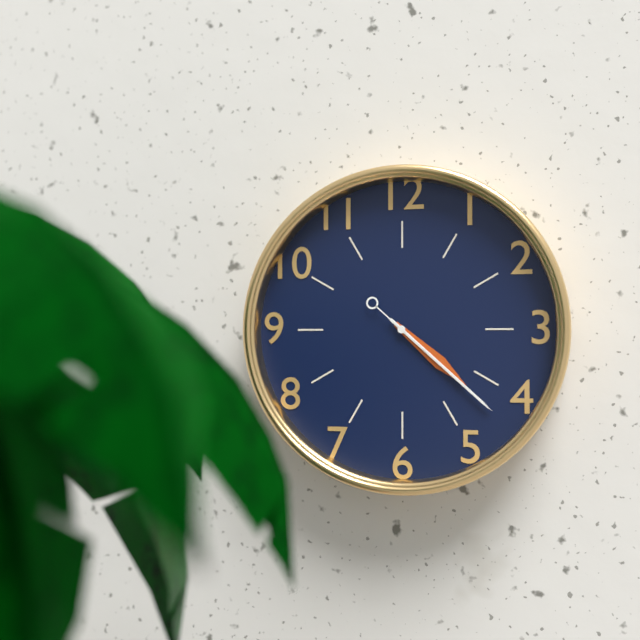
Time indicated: **4:22:22**
